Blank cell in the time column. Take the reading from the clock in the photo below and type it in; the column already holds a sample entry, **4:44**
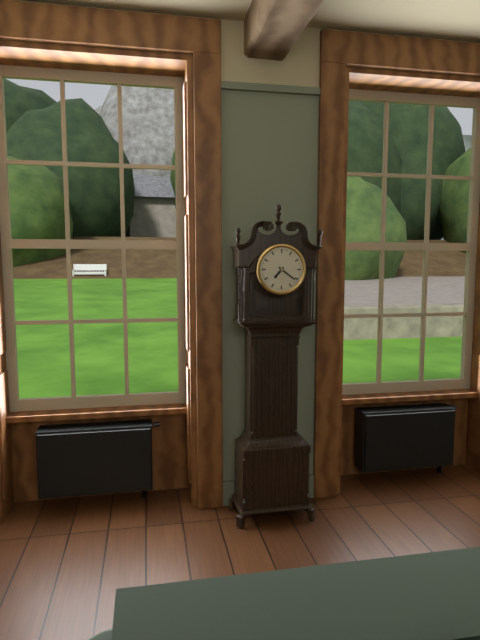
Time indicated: **7:21**
